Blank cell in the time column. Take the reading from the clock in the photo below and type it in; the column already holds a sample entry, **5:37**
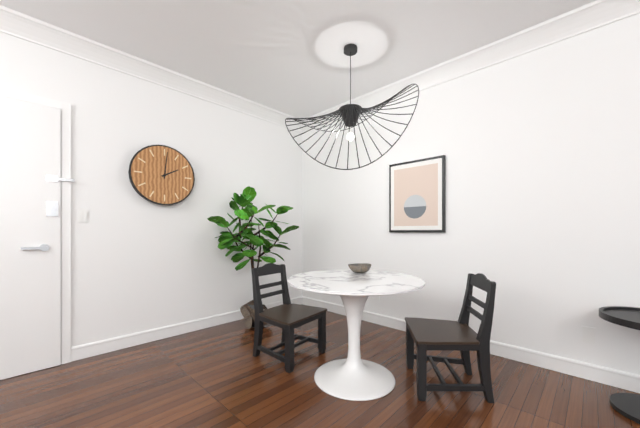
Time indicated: **2:01**
